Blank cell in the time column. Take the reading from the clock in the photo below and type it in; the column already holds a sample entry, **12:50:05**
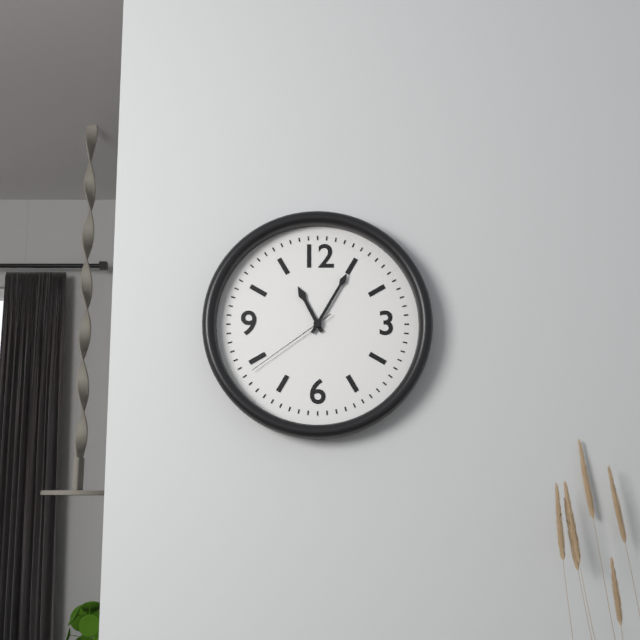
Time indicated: **11:05:39**
